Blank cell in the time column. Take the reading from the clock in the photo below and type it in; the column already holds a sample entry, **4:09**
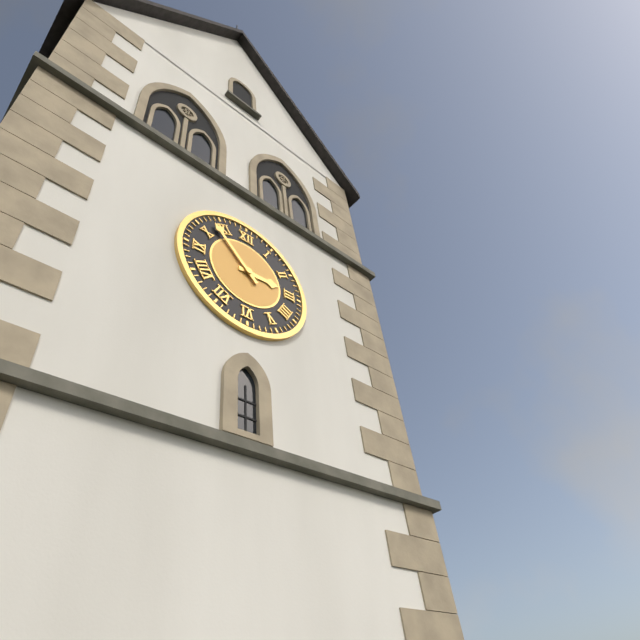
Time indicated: **2:53**
